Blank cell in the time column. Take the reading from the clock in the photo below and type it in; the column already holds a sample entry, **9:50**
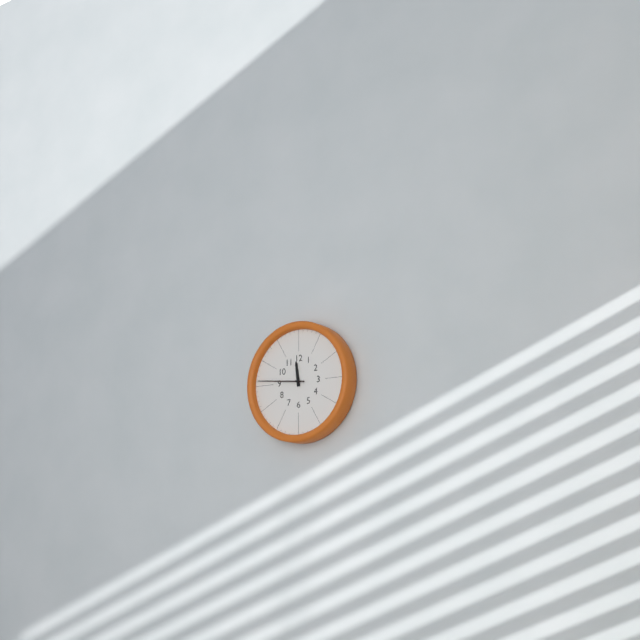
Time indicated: **11:46**
